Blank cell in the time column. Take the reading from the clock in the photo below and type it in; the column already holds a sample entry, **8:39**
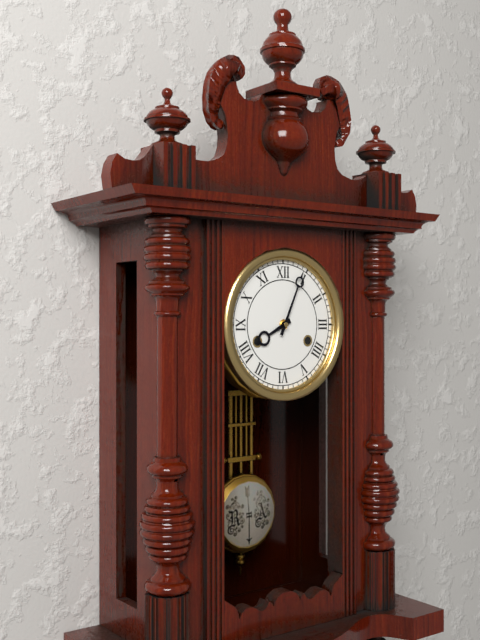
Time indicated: **8:04**
